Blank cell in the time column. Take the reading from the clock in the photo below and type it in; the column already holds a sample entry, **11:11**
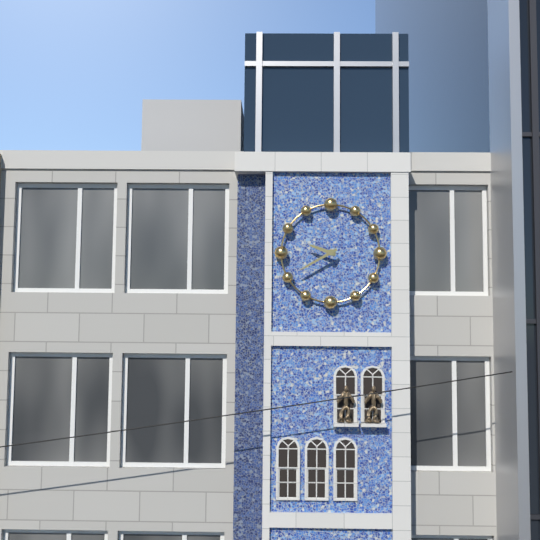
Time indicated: **9:40**
